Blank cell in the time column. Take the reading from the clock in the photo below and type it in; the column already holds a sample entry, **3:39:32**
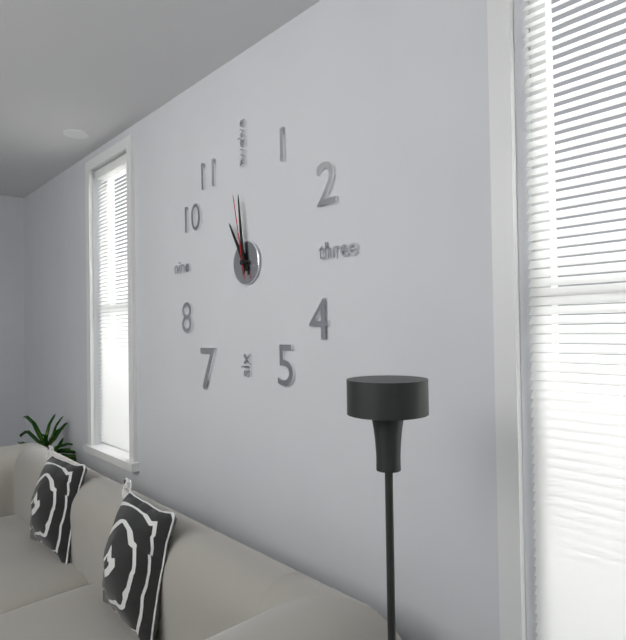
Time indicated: **10:59:58**
